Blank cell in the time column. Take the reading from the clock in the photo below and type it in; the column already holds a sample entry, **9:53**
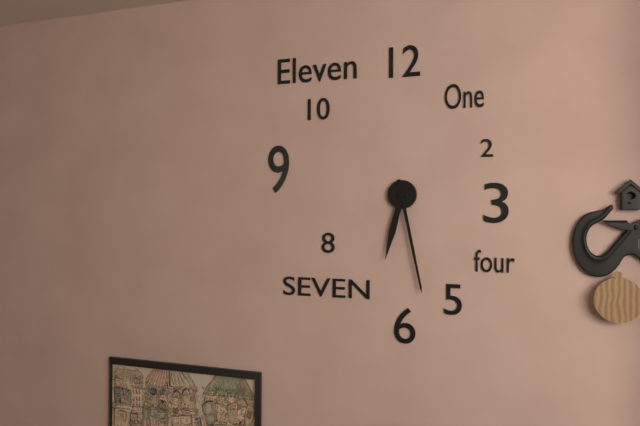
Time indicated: **6:28**
